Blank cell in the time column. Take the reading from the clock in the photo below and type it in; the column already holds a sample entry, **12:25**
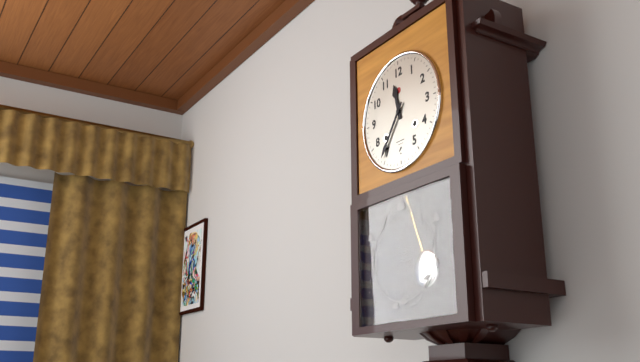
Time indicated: **11:36**
